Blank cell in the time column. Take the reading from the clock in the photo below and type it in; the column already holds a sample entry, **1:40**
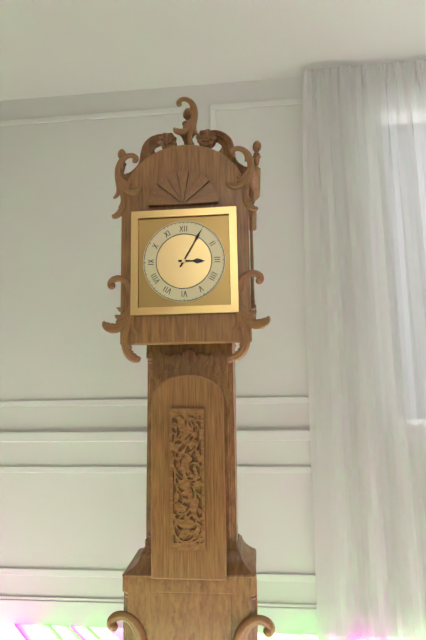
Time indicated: **3:05**
